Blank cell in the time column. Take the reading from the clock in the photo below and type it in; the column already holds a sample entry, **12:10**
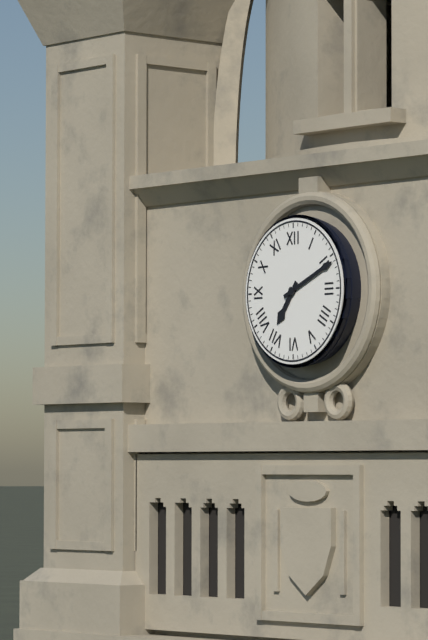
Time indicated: **7:11**
